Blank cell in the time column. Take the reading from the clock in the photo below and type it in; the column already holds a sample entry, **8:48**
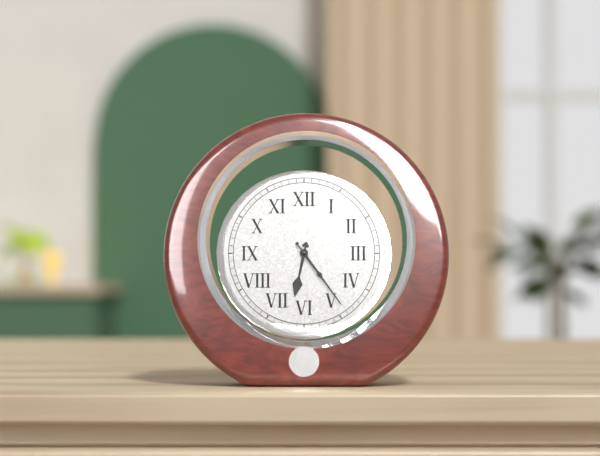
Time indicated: **6:24**
